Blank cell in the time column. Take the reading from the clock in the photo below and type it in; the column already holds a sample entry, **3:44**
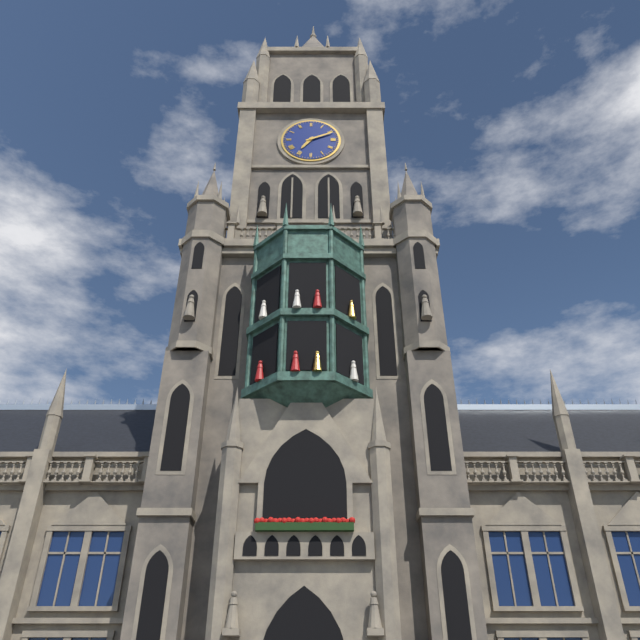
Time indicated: **7:11**
